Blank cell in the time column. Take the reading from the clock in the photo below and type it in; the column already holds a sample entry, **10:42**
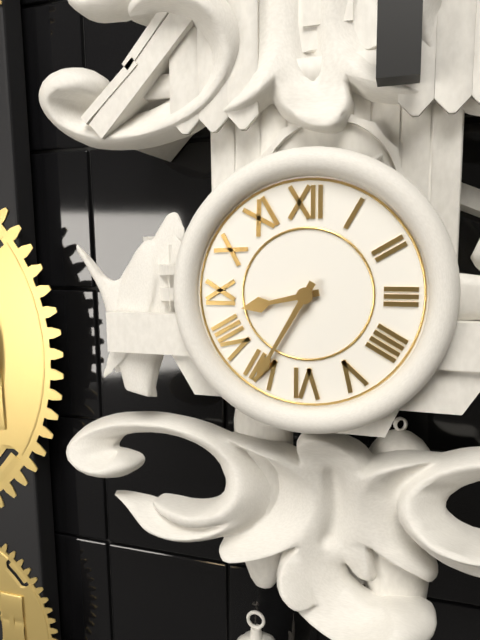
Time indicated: **8:35**
